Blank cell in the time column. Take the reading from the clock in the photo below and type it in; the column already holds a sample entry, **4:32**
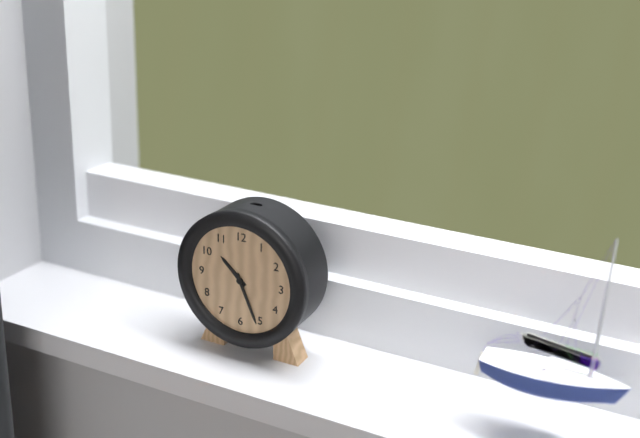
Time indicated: **10:26**
